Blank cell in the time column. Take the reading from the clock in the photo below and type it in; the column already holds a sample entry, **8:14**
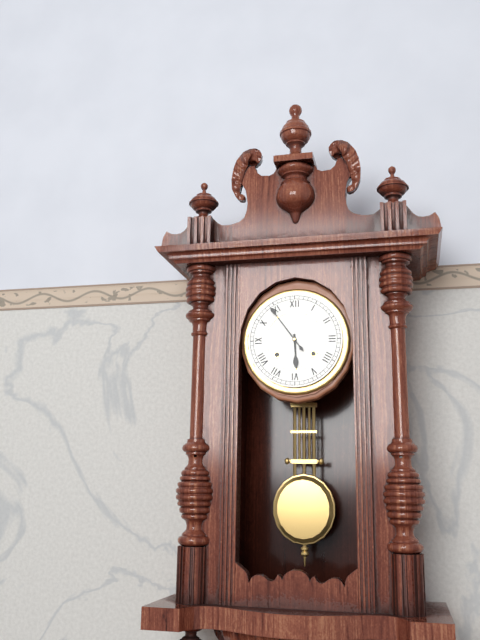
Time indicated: **5:54**
